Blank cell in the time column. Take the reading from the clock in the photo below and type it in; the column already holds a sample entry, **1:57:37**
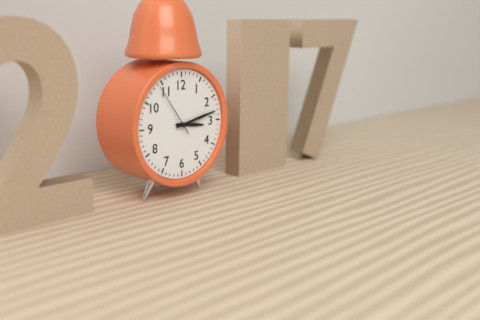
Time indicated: **3:13:54**
